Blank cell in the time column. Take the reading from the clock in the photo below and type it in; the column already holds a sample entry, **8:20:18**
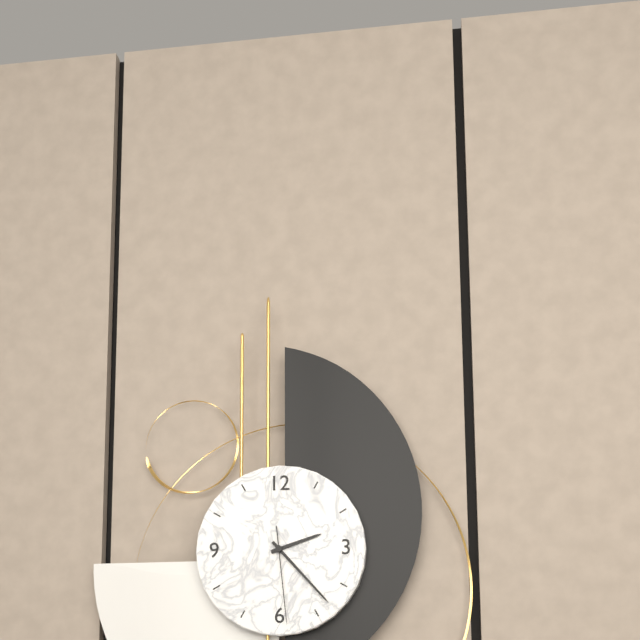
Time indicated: **2:23:29**
